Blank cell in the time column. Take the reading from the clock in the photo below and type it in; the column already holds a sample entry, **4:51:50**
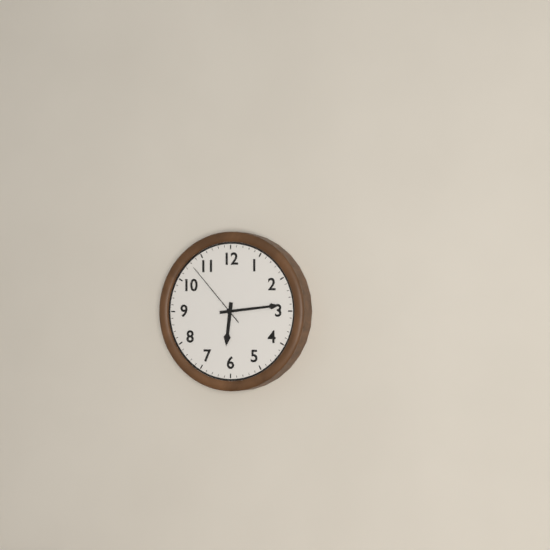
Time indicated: **6:14:53**
